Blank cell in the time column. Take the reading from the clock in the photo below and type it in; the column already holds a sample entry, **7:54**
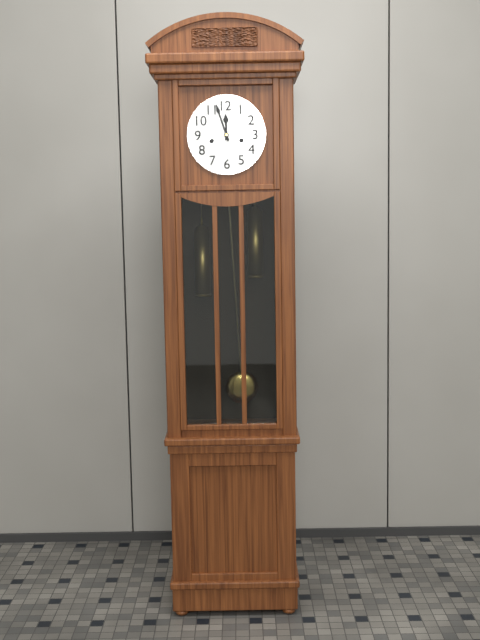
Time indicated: **11:57**
